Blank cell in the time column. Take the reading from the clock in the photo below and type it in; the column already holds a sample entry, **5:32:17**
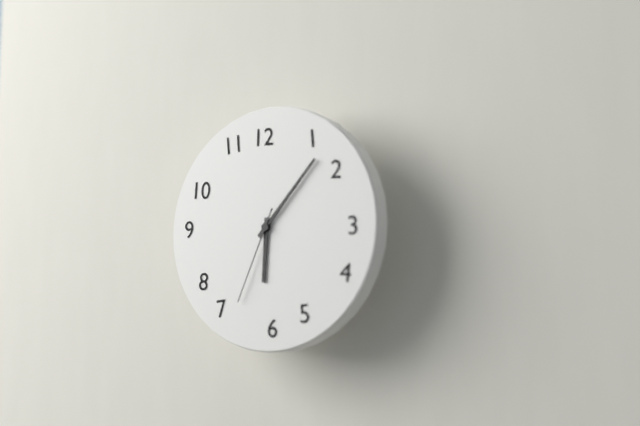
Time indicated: **6:07:34**
